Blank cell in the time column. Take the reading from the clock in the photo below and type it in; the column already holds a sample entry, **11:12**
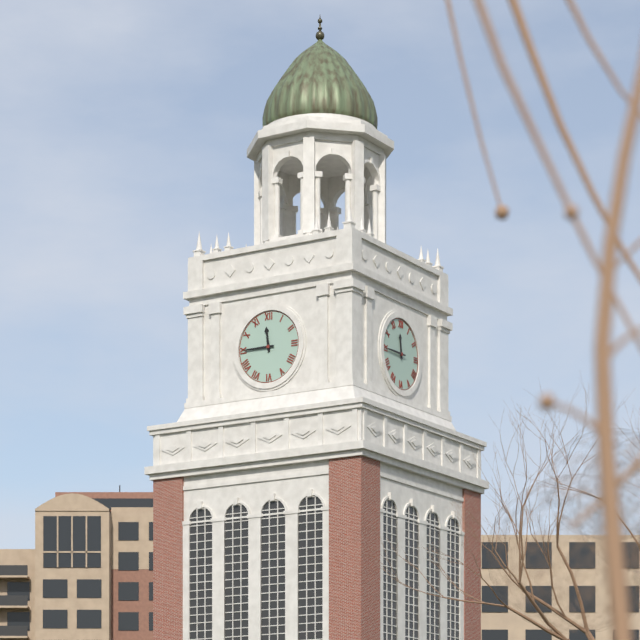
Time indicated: **11:45**
